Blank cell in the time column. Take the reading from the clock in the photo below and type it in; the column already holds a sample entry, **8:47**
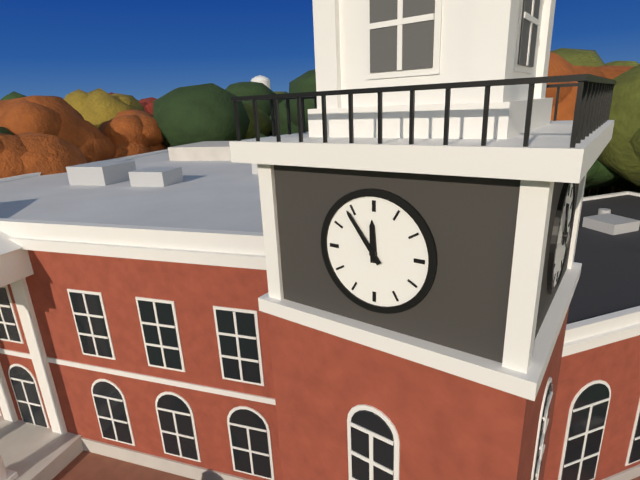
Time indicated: **11:54**
